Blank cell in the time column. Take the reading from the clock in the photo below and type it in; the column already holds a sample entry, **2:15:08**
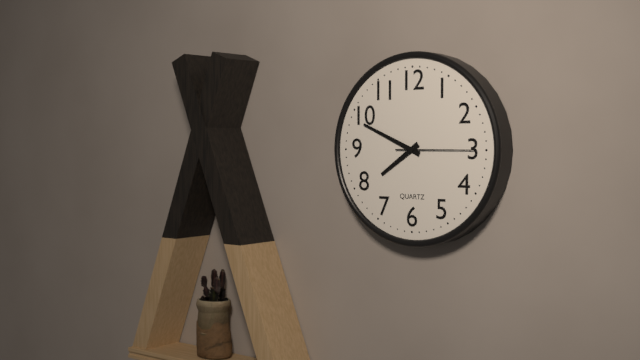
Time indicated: **7:49:15**
